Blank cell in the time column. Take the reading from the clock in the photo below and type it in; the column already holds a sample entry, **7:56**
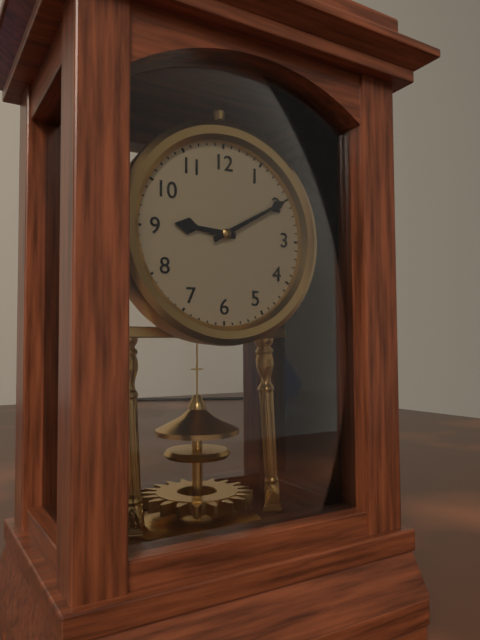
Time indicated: **9:10**
